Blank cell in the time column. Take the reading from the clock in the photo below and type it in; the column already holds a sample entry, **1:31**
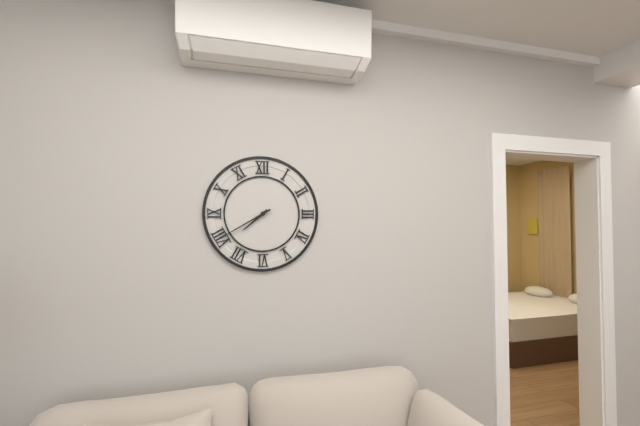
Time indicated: **7:40**
